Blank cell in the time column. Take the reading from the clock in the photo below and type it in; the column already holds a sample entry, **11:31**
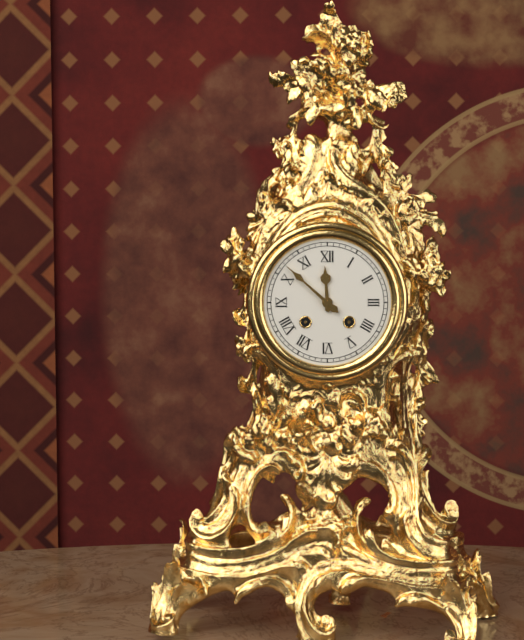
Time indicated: **11:52**
